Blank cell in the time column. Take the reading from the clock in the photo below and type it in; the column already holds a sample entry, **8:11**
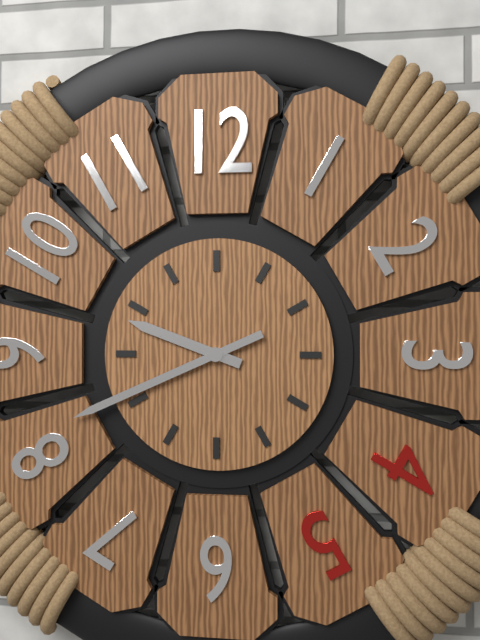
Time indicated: **9:41**
